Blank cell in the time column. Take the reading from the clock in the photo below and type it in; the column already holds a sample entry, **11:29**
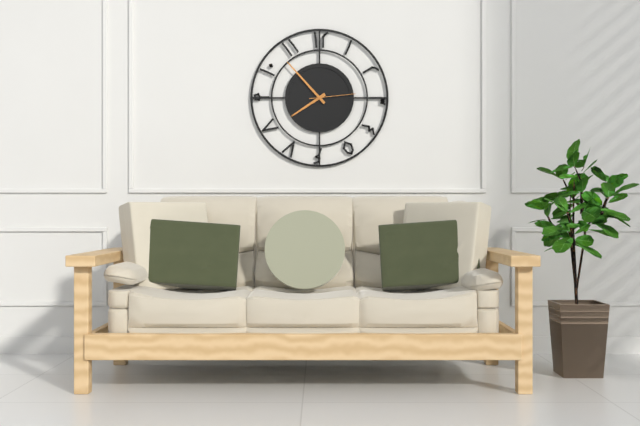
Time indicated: **7:53**
